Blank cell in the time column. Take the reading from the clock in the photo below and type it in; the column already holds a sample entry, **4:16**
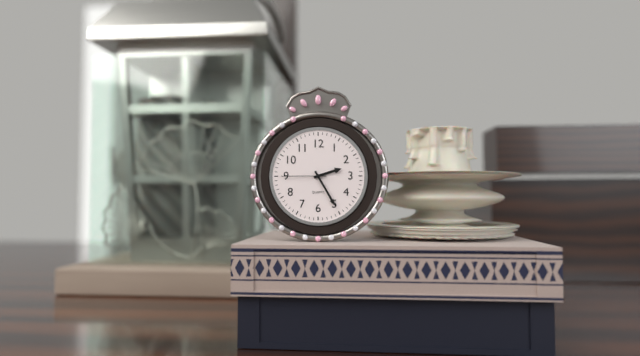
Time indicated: **2:25**
